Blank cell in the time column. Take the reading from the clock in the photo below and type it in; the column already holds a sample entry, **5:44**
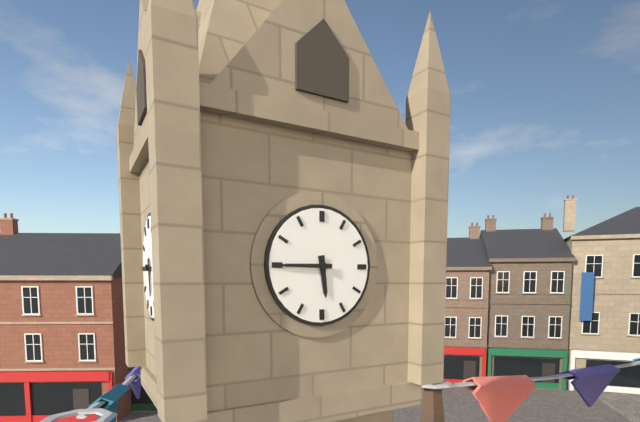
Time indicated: **5:45**
